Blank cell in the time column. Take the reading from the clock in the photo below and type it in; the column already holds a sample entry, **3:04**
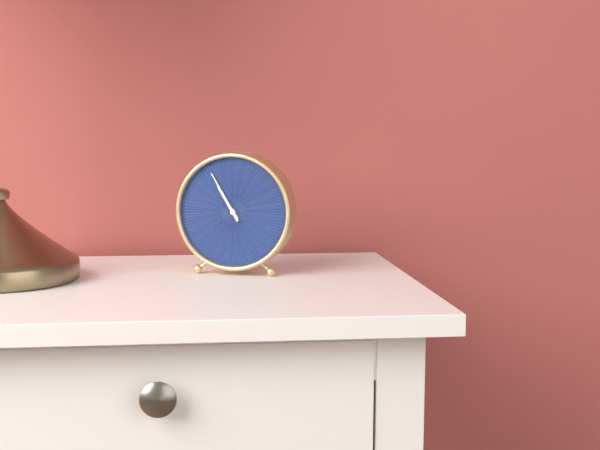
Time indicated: **10:55**
